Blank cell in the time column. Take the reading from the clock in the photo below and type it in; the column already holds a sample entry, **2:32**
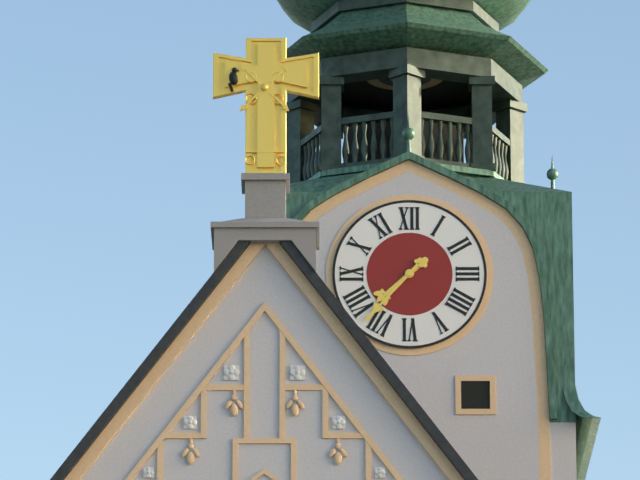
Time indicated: **7:37**
